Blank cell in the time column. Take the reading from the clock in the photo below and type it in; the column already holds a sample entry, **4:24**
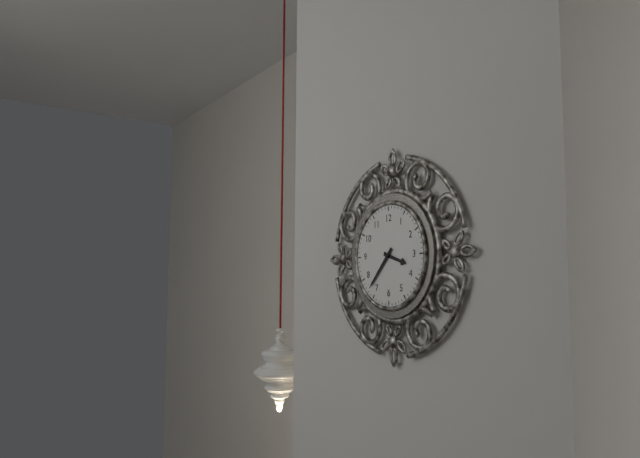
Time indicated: **3:37**
